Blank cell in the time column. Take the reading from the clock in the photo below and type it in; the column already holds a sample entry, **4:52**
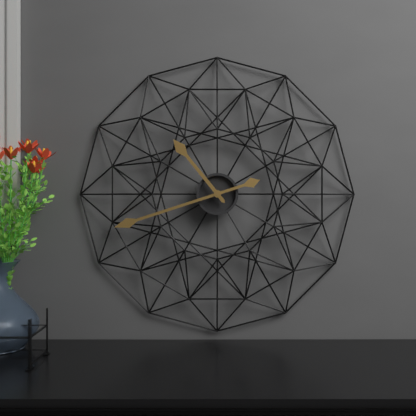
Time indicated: **10:42**
